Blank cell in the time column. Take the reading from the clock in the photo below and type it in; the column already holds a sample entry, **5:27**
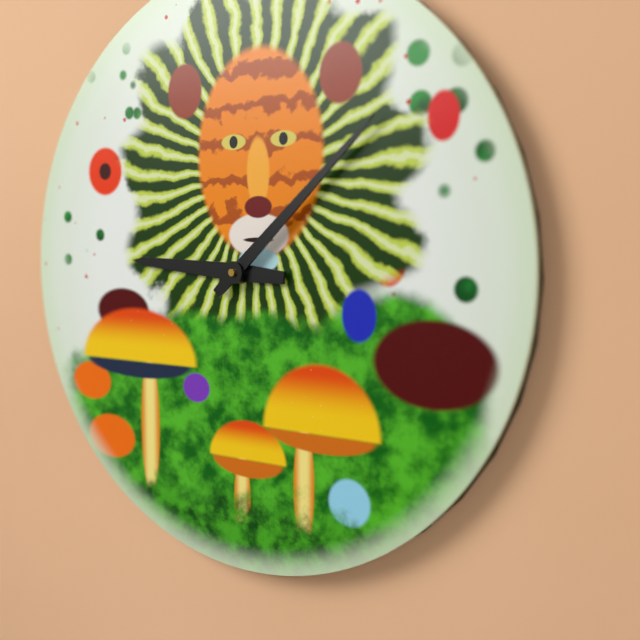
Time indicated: **9:08**
